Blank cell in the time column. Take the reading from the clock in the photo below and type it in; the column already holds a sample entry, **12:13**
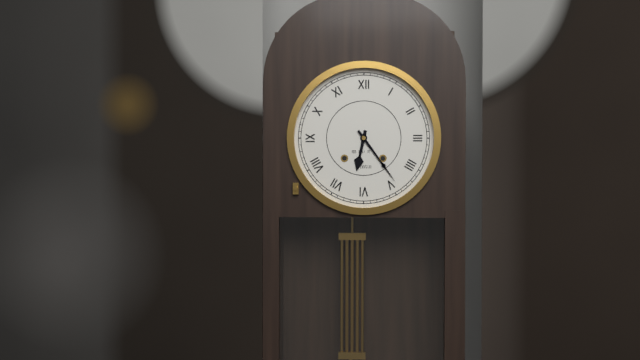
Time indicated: **6:24**
